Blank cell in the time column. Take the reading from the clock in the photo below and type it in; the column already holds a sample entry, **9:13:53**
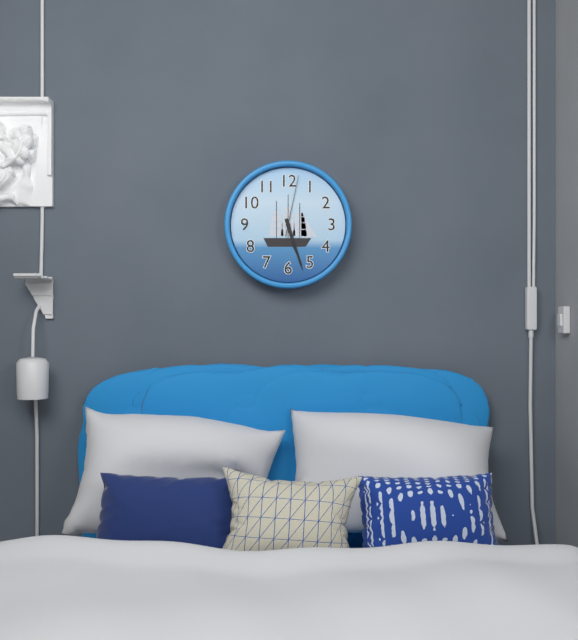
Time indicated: **5:27:02**
